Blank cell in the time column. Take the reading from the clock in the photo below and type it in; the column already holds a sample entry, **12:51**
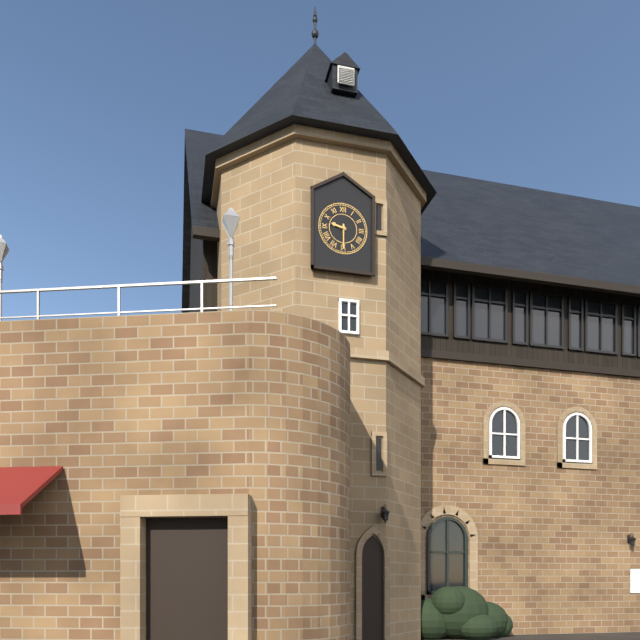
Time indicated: **9:30**
